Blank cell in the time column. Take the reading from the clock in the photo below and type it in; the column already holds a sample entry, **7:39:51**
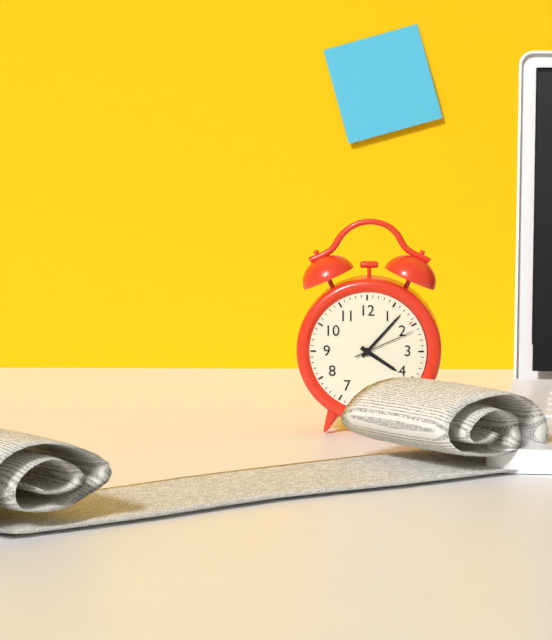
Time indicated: **4:07:11**
